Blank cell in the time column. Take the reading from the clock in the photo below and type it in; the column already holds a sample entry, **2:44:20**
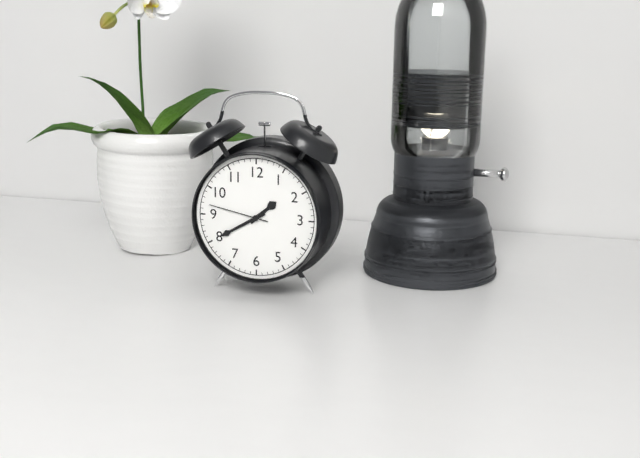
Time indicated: **1:40:47**
